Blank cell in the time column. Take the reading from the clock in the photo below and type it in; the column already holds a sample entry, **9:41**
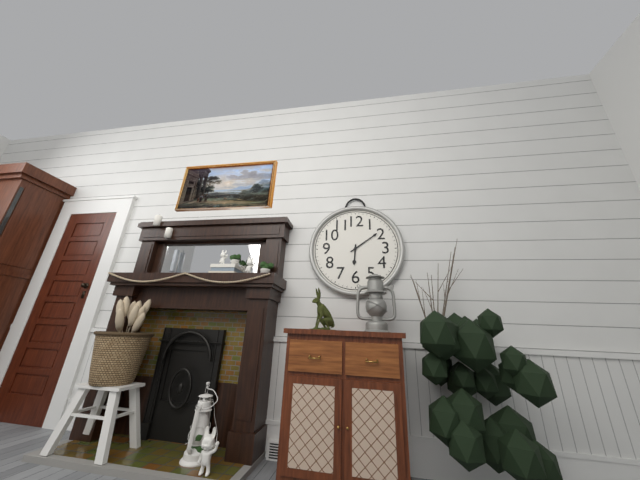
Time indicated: **6:09**
